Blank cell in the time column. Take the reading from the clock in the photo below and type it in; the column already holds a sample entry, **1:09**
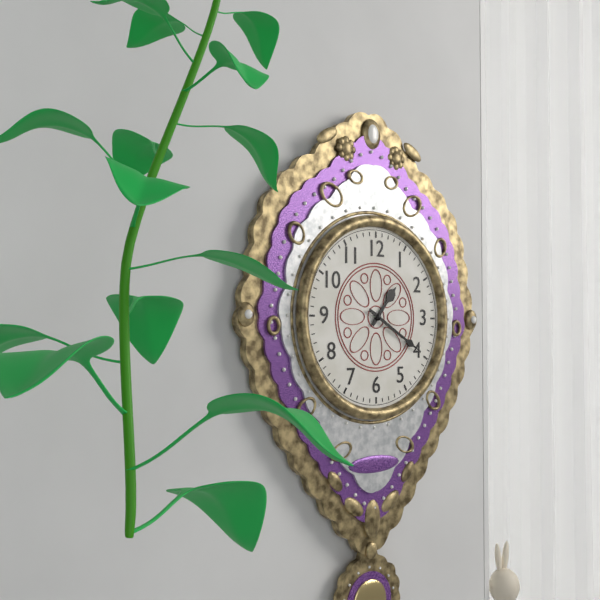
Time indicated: **1:20**
